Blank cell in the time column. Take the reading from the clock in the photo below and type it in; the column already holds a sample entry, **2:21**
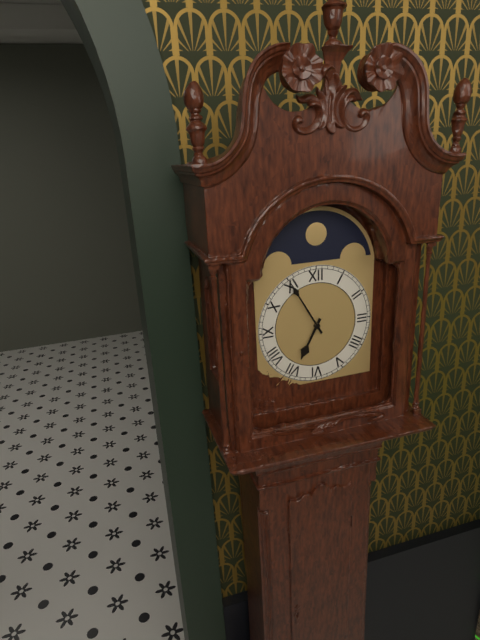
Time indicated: **6:55**
